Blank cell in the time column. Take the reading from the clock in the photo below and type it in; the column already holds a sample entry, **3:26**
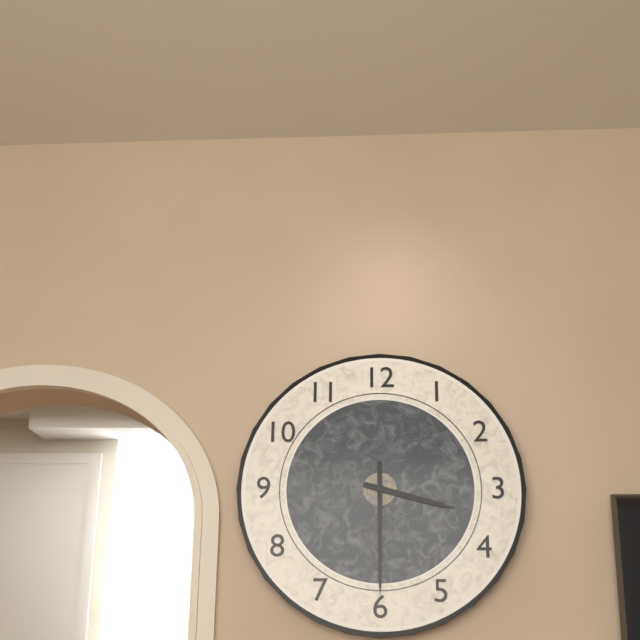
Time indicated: **3:30**
